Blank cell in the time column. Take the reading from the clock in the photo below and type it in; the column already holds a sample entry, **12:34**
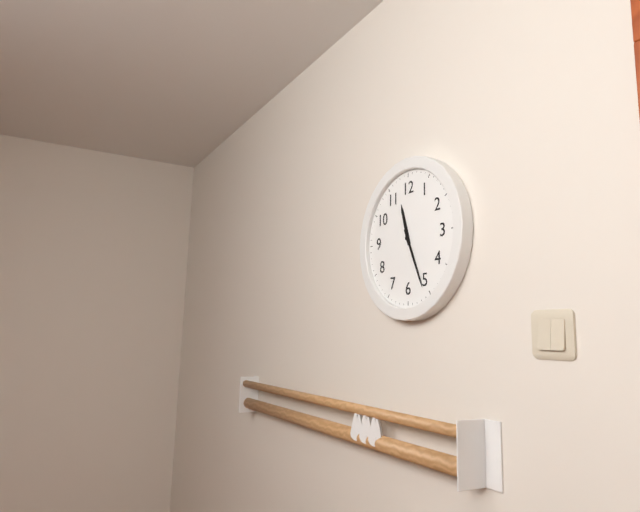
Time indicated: **11:26**
